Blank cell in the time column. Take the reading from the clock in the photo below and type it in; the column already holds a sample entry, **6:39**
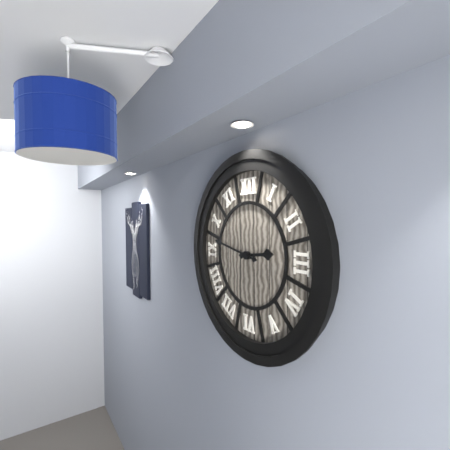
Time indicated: **2:47**
